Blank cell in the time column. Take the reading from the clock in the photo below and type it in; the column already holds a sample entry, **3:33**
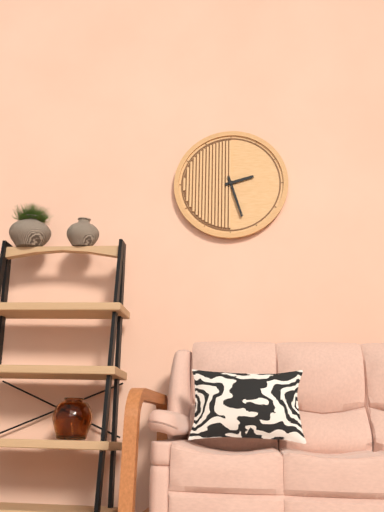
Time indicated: **2:27**
